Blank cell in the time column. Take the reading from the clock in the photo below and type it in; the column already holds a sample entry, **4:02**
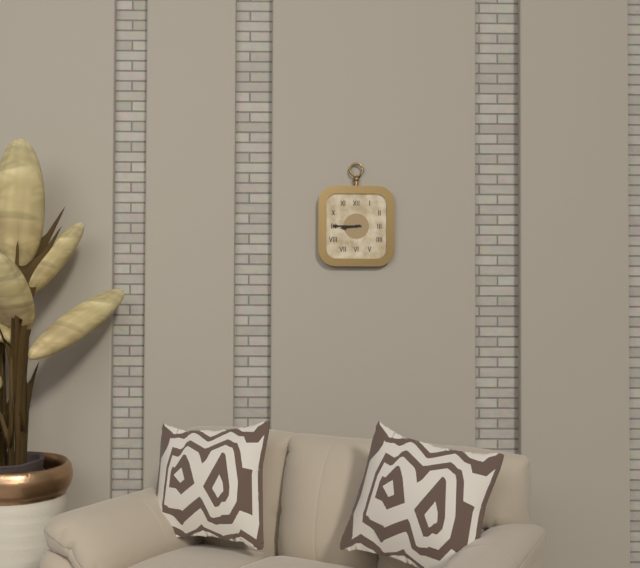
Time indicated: **8:45**
